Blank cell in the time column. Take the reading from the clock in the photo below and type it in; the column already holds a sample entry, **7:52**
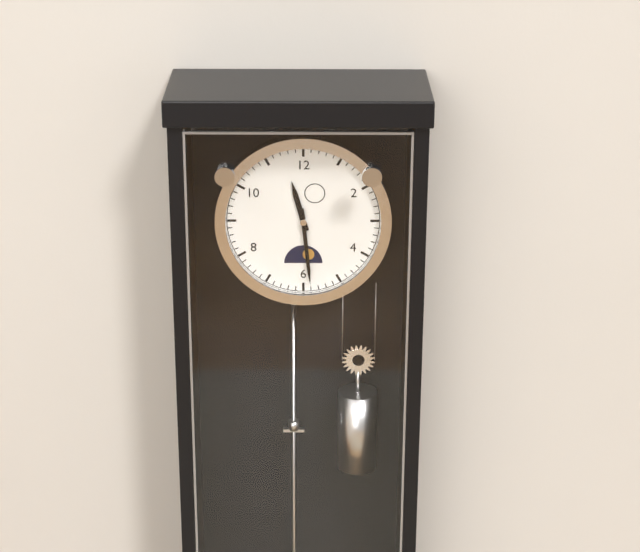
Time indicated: **11:29**
